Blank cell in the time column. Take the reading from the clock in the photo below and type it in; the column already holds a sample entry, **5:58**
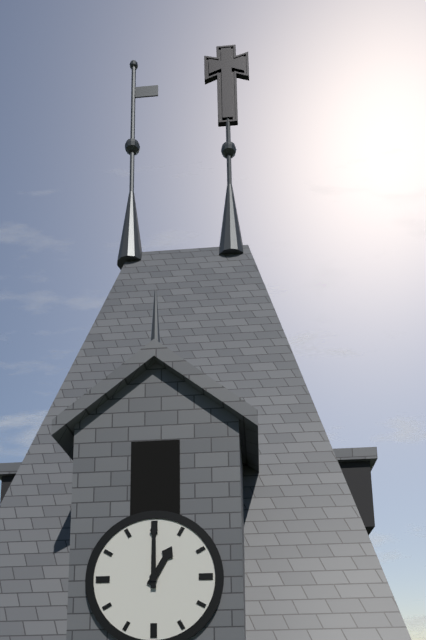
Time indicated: **1:00**
